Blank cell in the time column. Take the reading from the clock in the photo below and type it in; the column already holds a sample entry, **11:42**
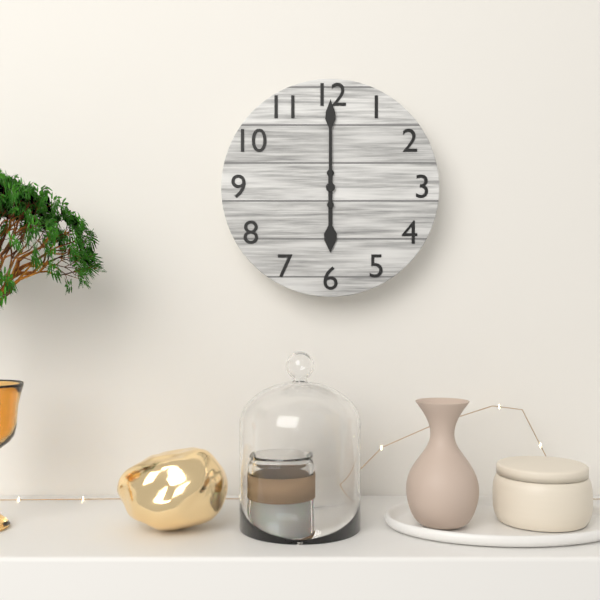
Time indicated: **6:00**
